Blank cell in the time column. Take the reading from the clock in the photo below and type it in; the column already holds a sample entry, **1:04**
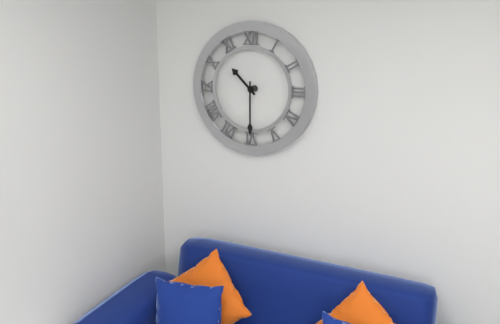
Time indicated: **10:30**
